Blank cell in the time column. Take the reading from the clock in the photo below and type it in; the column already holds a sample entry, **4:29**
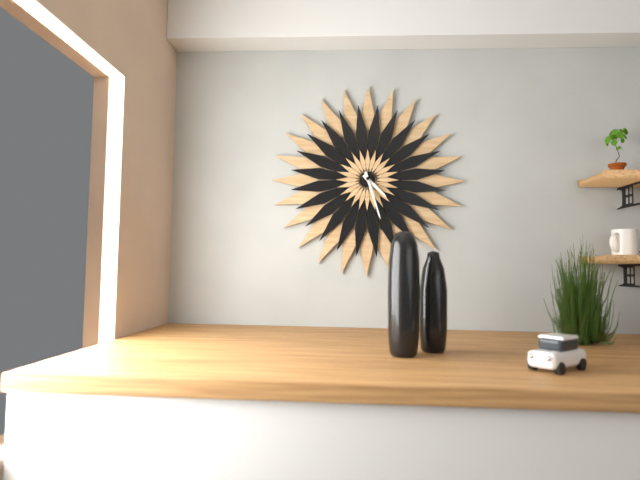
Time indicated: **4:27**
